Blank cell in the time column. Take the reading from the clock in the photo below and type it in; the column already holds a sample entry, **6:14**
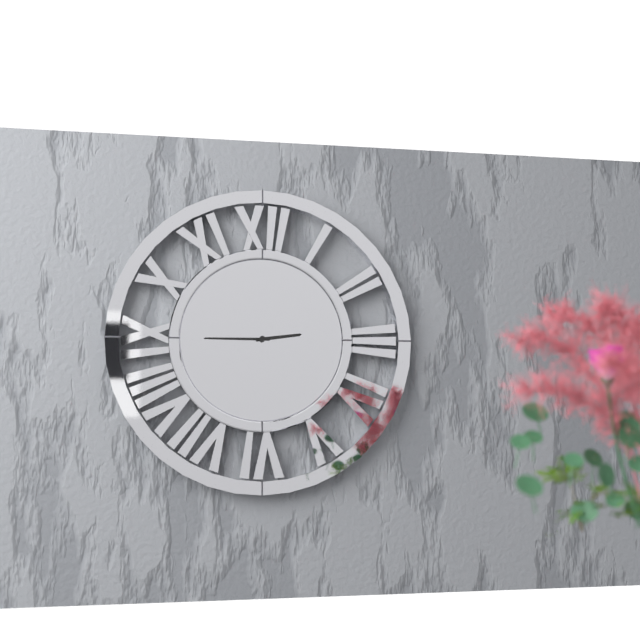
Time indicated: **2:45**
